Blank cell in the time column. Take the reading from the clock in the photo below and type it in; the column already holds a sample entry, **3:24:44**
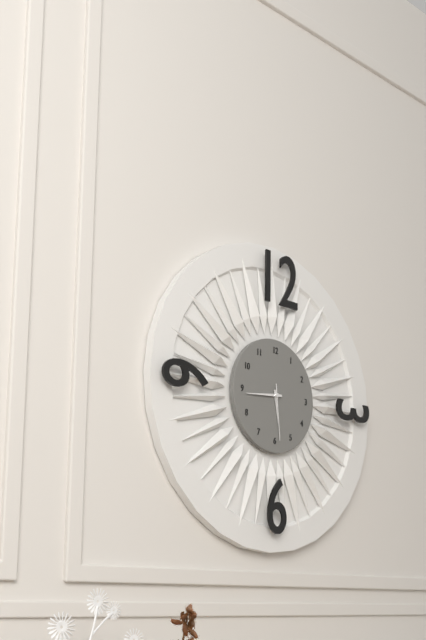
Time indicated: **5:44:29**
